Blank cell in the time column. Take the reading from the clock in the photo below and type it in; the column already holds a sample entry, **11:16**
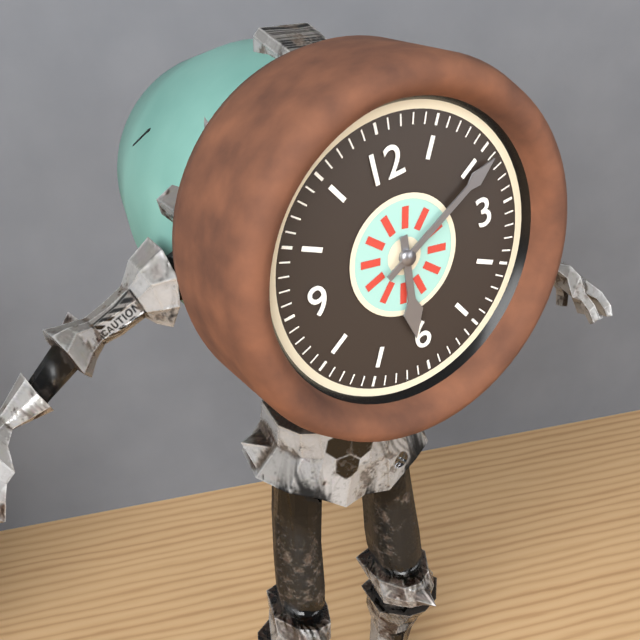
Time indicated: **6:11**
